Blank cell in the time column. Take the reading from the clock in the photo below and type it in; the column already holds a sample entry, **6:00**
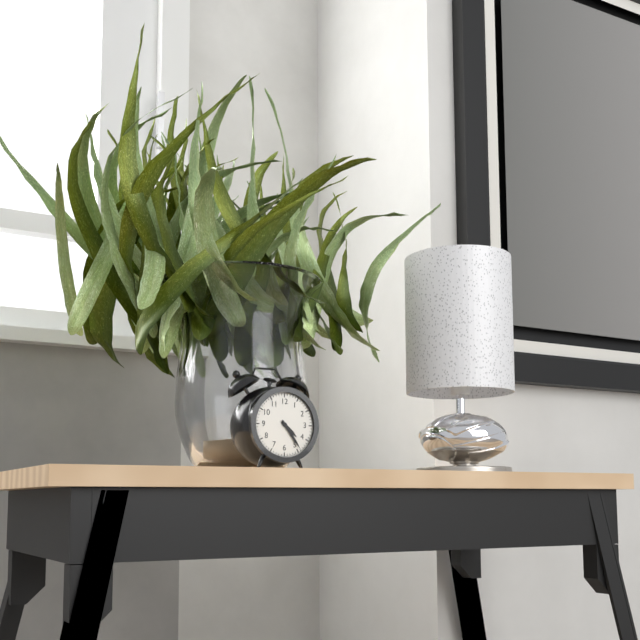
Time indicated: **4:24**
